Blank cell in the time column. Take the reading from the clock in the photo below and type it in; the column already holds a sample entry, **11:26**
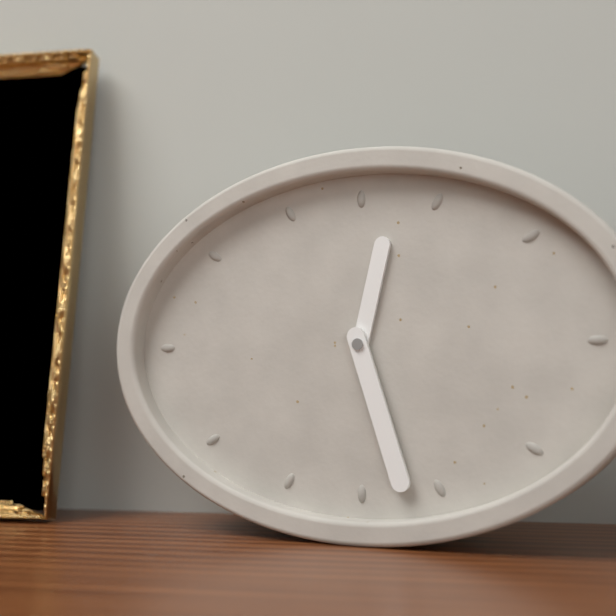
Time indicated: **12:27**
